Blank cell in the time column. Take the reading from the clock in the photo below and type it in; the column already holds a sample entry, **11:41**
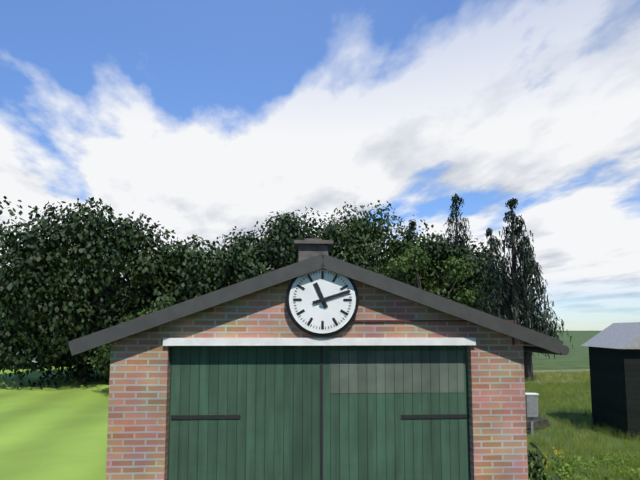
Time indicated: **11:12**
